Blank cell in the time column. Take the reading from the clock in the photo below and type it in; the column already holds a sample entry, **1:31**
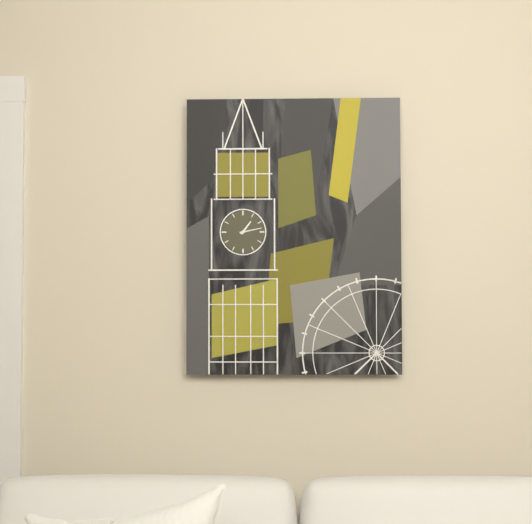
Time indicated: **1:13**
